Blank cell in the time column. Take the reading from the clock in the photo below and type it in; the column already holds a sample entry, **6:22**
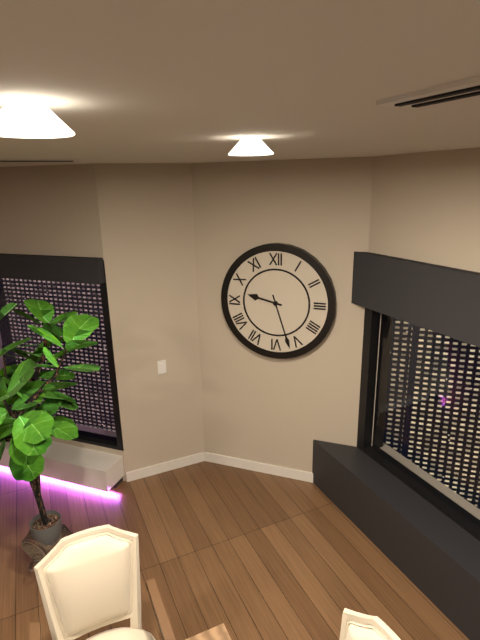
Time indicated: **9:27**
